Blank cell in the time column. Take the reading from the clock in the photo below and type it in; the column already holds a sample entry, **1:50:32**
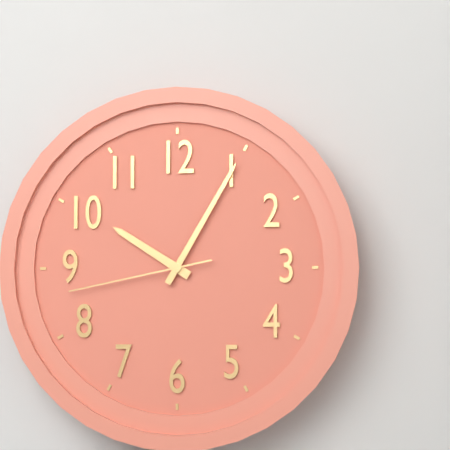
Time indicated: **10:05:43**
